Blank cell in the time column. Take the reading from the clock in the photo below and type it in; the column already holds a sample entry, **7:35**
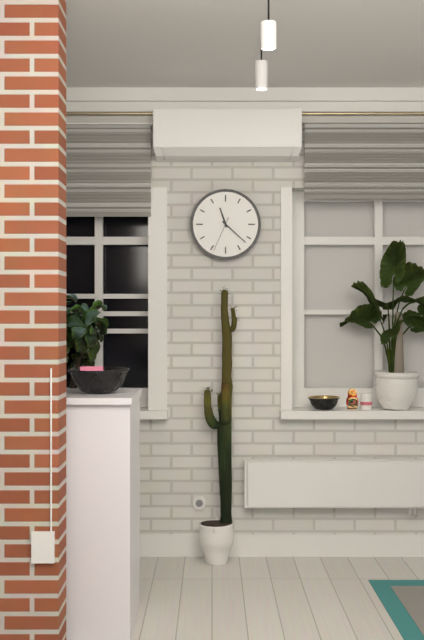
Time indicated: **11:22**
